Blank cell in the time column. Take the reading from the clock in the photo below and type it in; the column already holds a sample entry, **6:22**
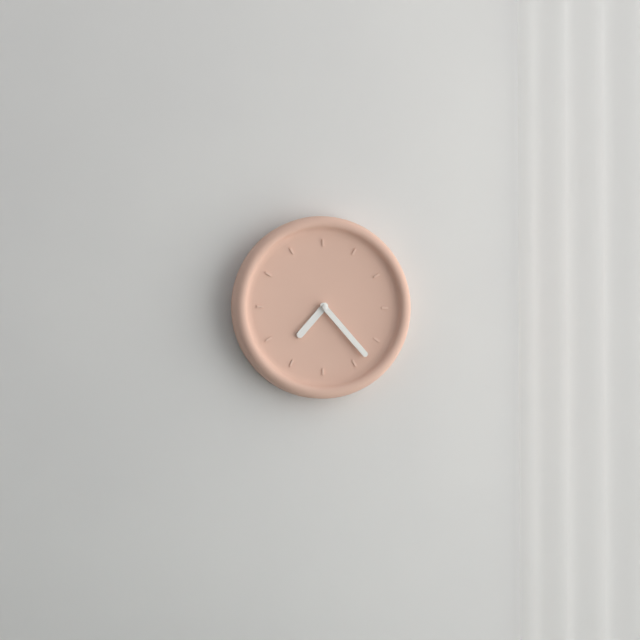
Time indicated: **7:23**
